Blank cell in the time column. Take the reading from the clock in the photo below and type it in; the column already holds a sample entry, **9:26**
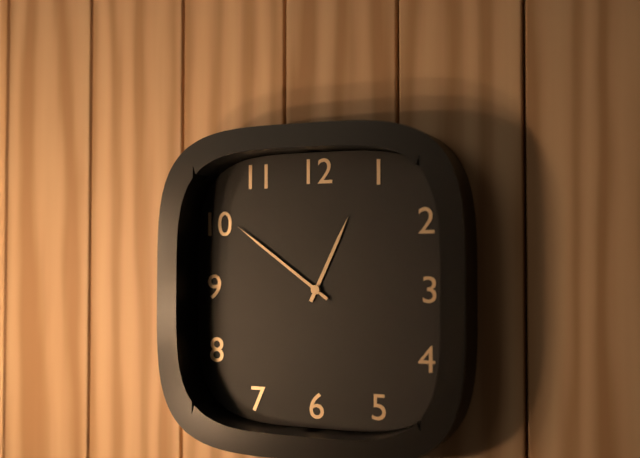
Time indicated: **12:51**
